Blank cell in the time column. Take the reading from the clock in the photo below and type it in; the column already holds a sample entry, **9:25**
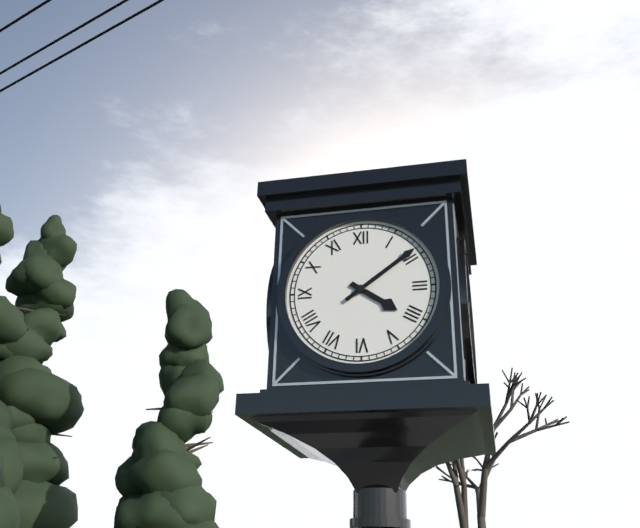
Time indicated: **4:09**
